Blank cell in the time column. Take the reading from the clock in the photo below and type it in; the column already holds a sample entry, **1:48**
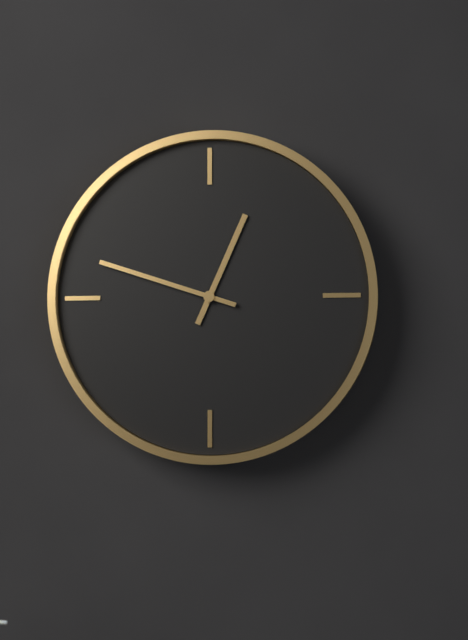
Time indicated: **12:48**
